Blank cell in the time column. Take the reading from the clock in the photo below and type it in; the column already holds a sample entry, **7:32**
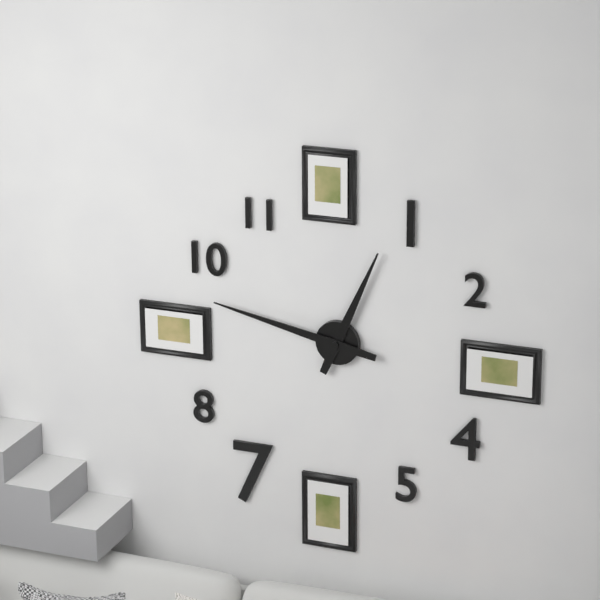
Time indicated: **12:47**
